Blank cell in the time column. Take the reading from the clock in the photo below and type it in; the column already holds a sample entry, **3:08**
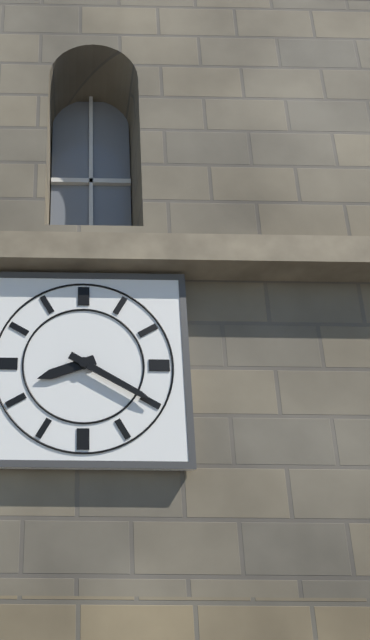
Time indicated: **8:20**
